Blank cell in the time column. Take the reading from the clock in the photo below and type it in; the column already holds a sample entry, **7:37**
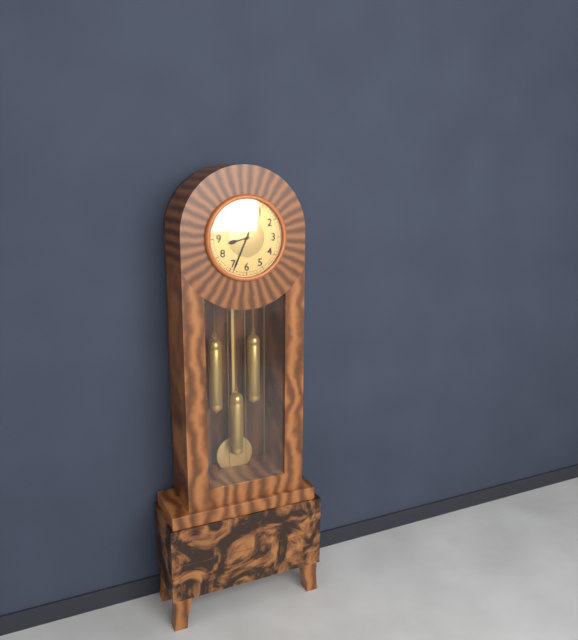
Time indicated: **8:34**
